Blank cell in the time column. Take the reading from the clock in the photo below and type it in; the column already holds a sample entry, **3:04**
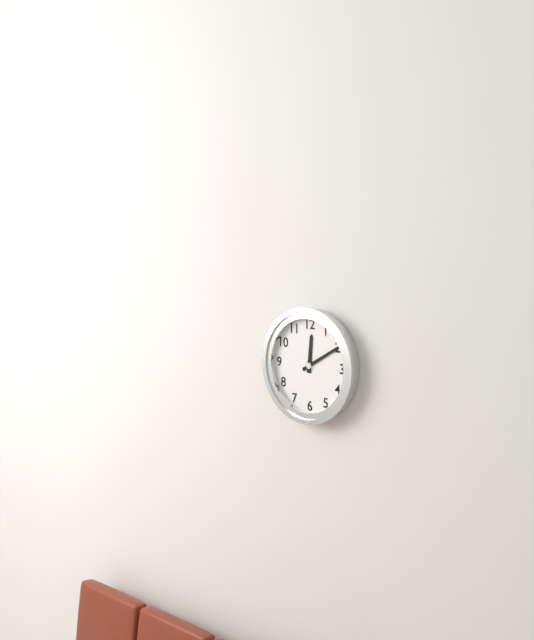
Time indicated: **12:10**
